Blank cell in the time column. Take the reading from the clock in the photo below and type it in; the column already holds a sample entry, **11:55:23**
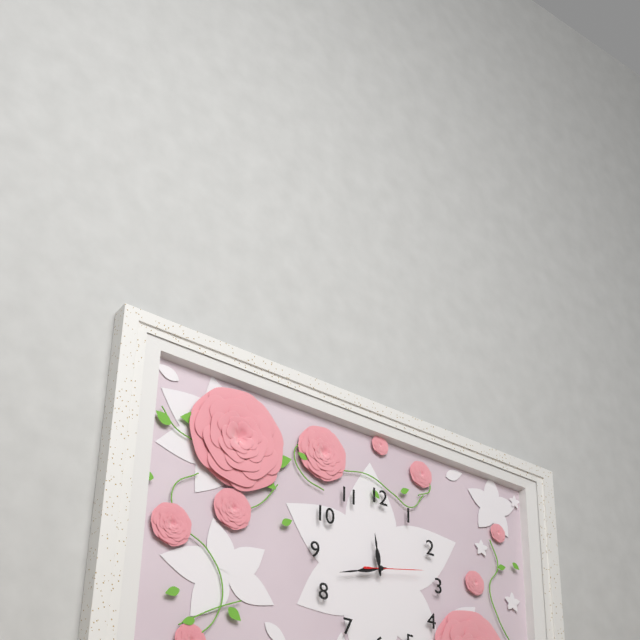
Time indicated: **11:42:13**
